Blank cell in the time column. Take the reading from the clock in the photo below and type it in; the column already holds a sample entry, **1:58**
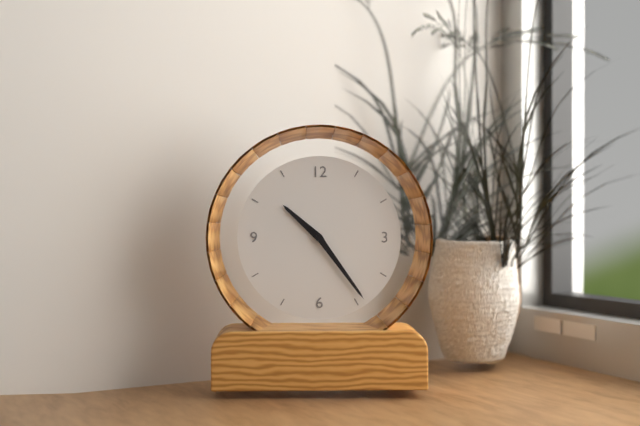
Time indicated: **10:24**
